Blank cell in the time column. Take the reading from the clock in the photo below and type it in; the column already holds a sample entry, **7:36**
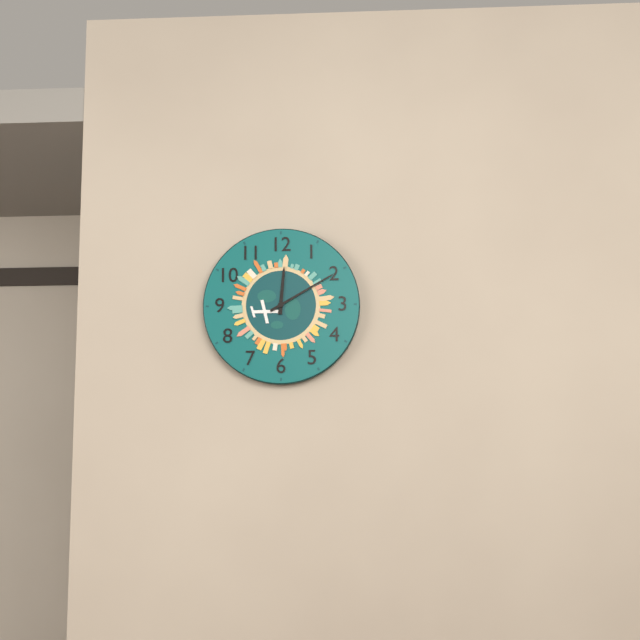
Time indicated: **12:10**
